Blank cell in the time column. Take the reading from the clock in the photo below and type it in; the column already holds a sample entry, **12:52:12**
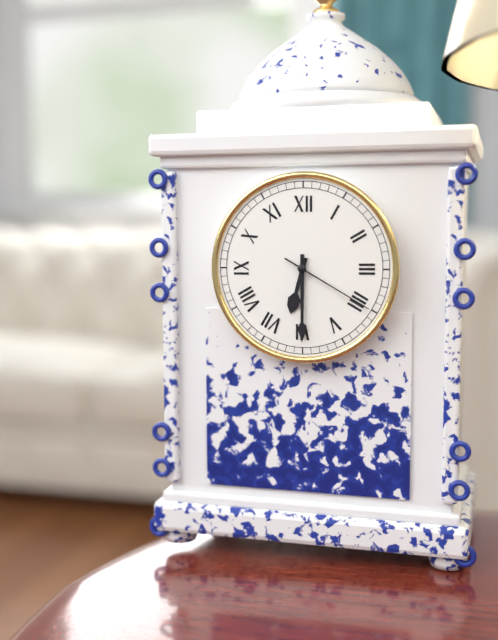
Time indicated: **6:30:20**
